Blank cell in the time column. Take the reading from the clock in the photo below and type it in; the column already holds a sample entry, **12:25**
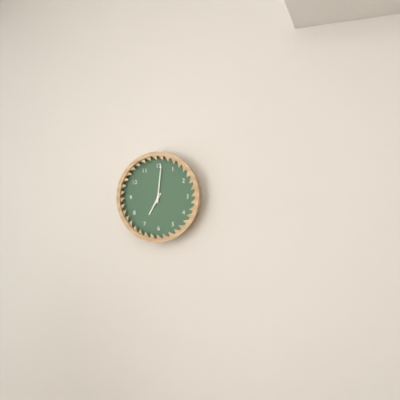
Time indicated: **7:01**
